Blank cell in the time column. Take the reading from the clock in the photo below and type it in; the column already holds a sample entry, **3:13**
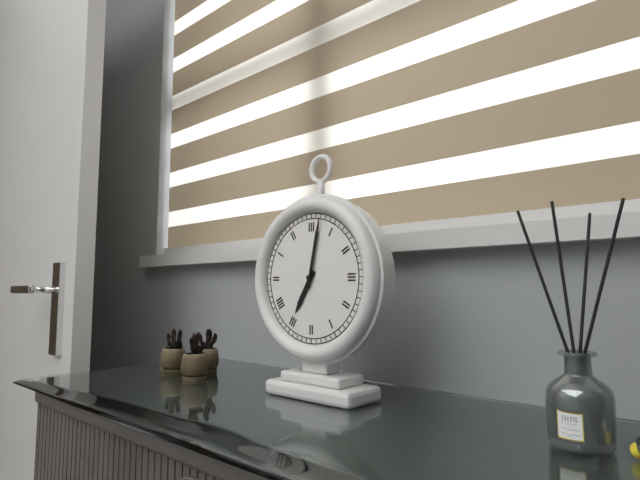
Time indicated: **7:02**
